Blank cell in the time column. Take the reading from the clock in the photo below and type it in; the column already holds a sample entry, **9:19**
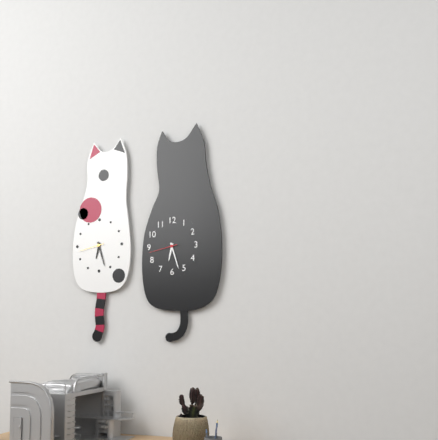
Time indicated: **6:27**
